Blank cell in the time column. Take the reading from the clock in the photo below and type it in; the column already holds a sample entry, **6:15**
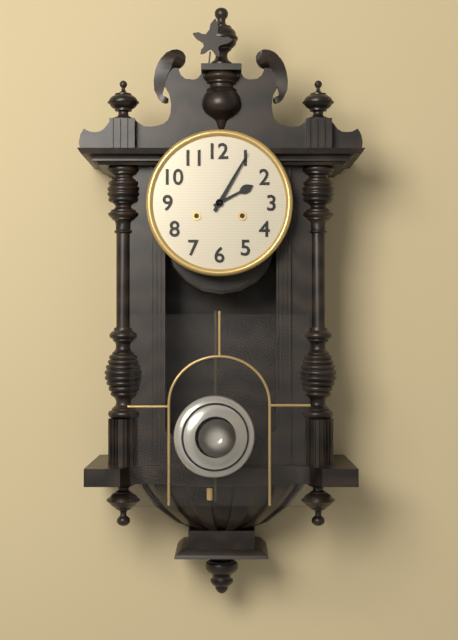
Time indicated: **2:05**
